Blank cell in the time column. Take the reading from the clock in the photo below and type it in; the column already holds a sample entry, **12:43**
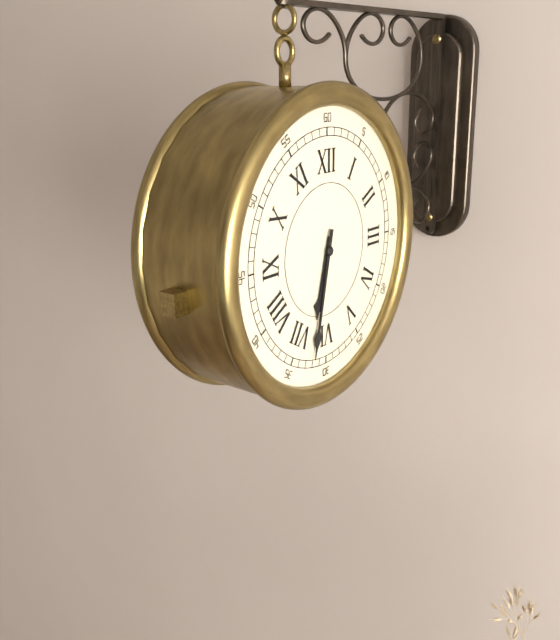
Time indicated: **6:32**
